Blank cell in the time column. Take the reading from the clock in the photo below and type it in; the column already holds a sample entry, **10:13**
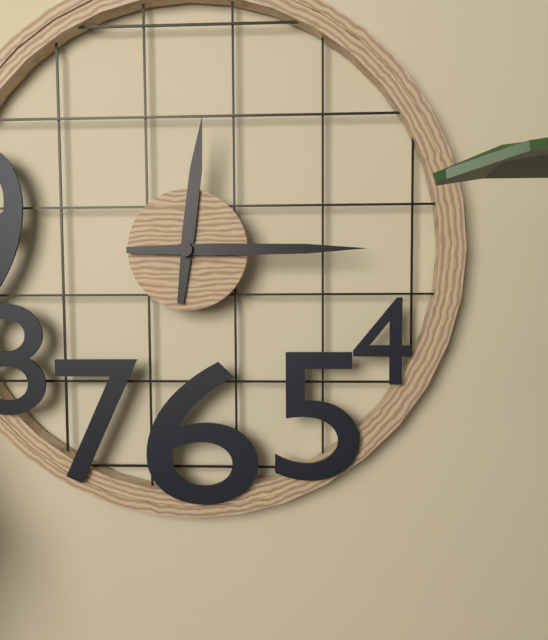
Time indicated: **12:15**
